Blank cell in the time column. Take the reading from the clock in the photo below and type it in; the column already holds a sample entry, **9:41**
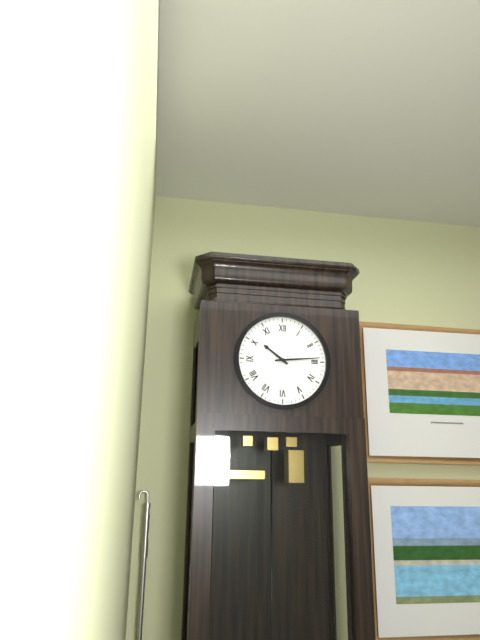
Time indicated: **10:14**
